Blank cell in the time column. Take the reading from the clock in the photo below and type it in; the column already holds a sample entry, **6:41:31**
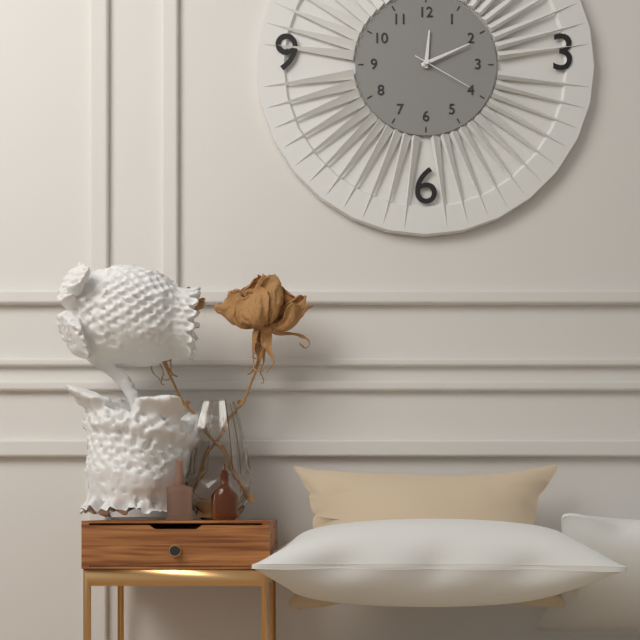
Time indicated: **12:11:20**
